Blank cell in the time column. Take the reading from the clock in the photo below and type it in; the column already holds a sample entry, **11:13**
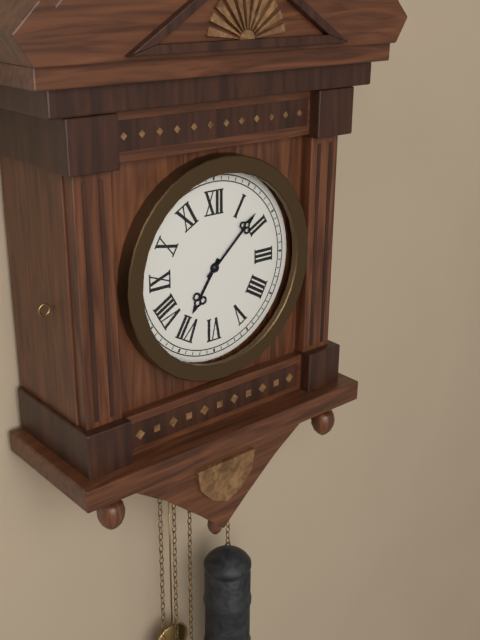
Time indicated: **7:08**
